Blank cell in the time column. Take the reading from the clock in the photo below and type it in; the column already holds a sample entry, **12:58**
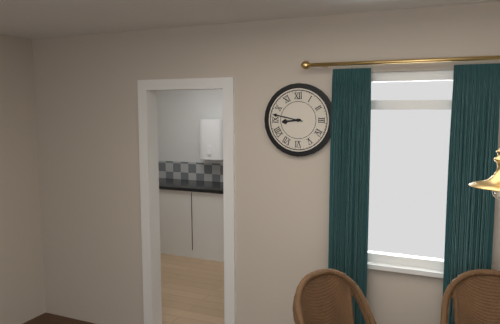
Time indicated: **8:47**
